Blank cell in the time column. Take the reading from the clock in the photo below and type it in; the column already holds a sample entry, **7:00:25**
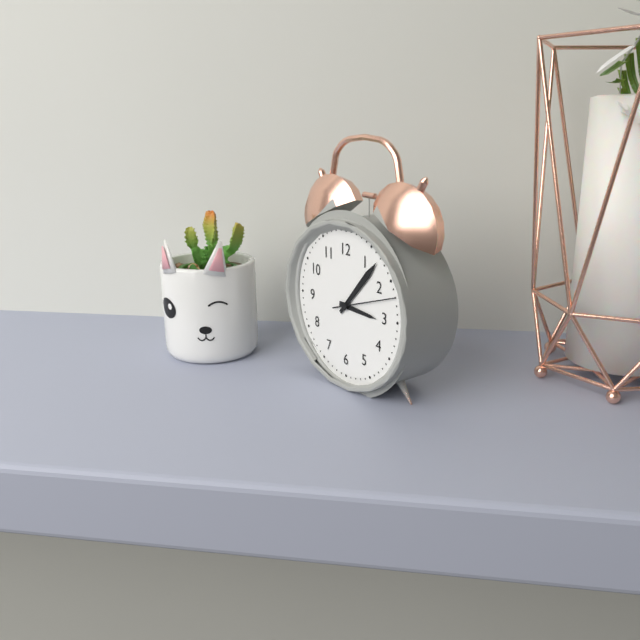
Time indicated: **3:07:12**
